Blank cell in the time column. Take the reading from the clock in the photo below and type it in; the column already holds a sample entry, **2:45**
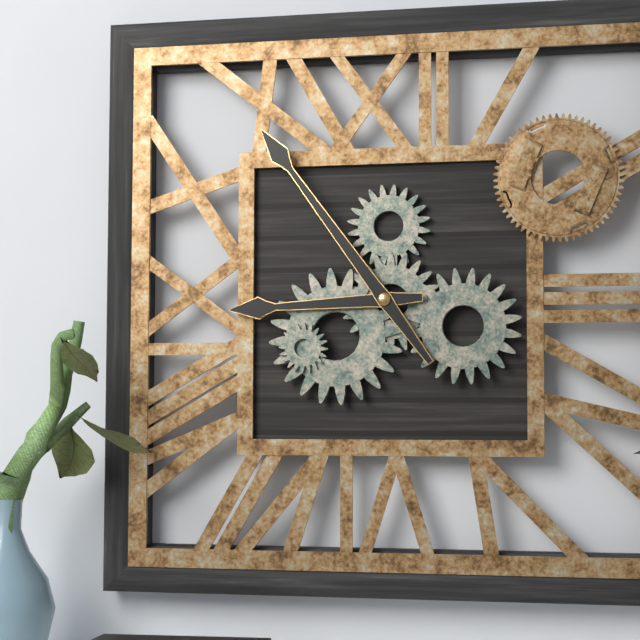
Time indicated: **8:54**
